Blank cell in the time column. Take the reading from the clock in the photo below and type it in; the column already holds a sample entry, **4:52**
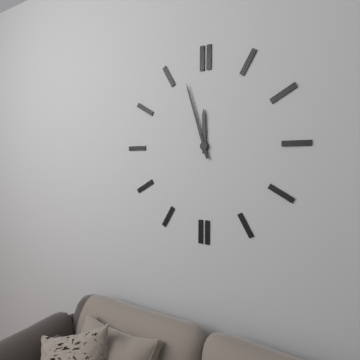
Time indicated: **11:57**
